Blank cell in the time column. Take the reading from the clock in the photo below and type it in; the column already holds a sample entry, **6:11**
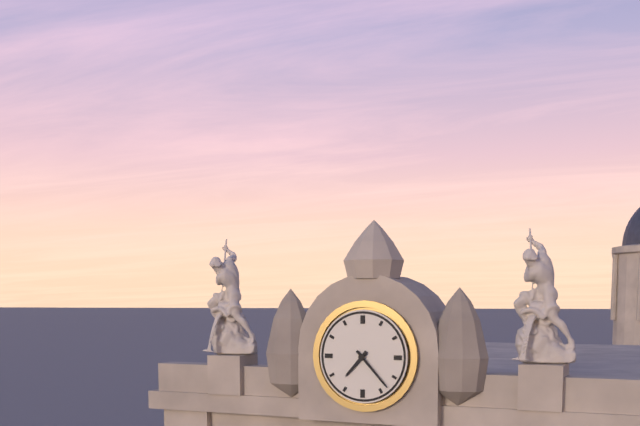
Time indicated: **7:23**
